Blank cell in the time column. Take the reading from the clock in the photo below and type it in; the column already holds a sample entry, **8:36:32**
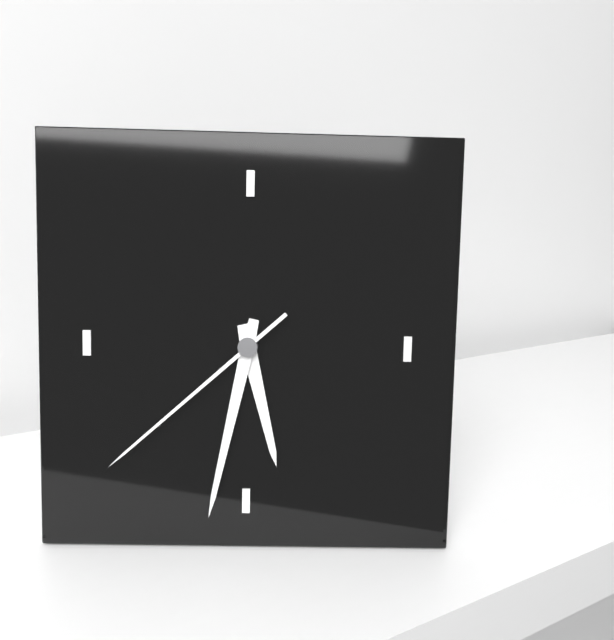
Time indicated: **5:32:38**
